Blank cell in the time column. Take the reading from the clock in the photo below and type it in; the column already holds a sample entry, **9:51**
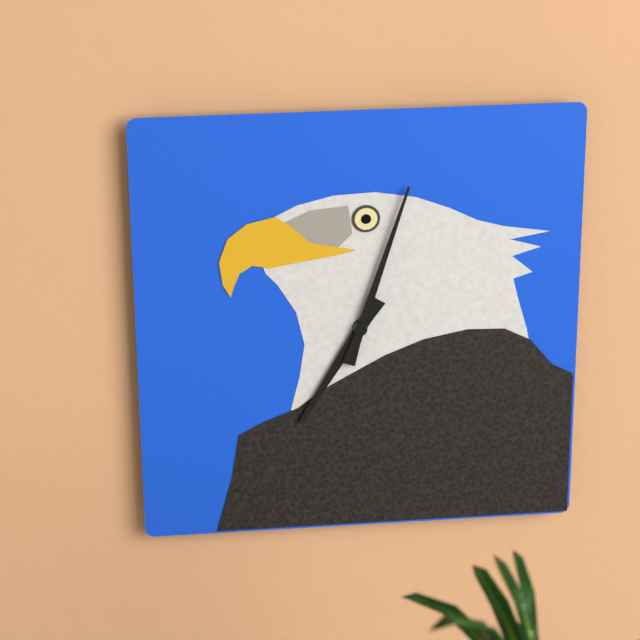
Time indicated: **7:03**
